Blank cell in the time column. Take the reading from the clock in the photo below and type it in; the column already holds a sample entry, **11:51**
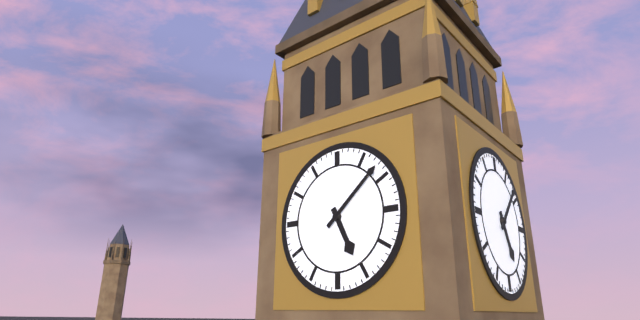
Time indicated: **5:08**
